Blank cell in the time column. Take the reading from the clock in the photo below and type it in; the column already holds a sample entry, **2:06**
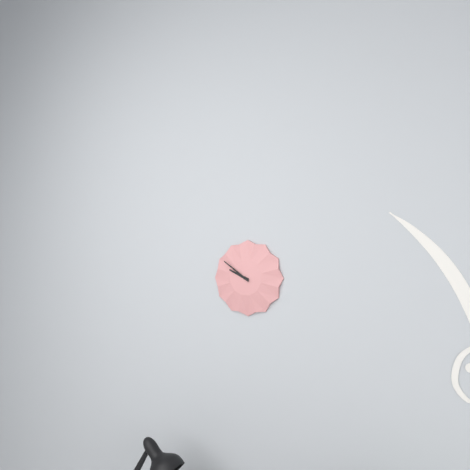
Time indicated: **9:51**
